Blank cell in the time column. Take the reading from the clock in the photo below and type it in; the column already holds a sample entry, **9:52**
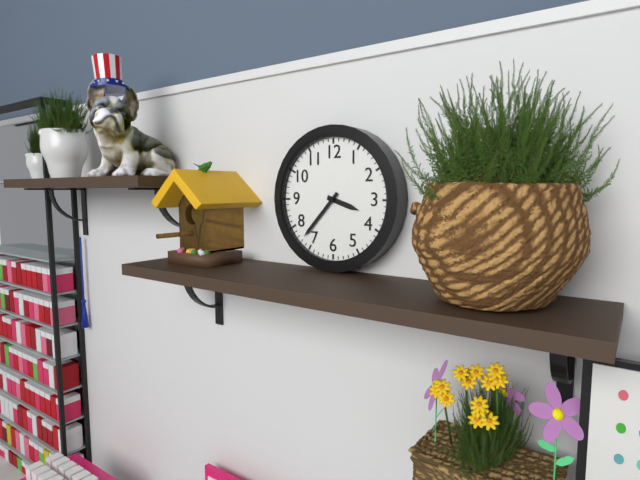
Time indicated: **3:37**
